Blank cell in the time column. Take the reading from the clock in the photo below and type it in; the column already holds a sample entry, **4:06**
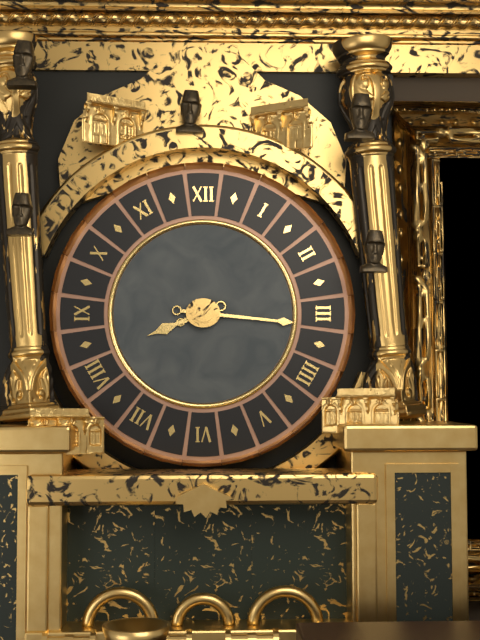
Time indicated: **8:16**
